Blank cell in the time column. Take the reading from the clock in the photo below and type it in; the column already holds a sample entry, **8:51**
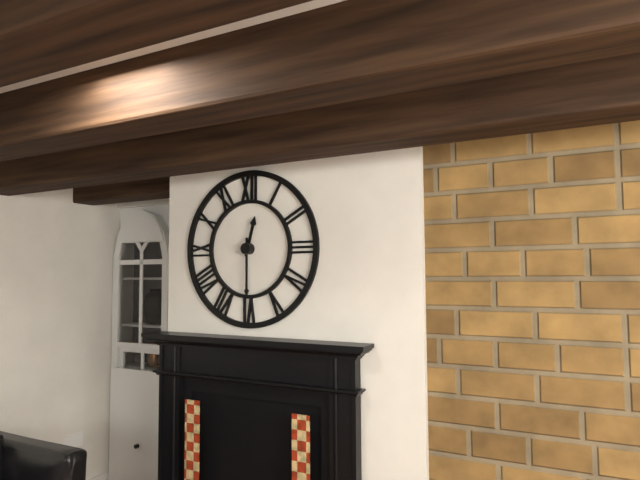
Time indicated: **12:30**
